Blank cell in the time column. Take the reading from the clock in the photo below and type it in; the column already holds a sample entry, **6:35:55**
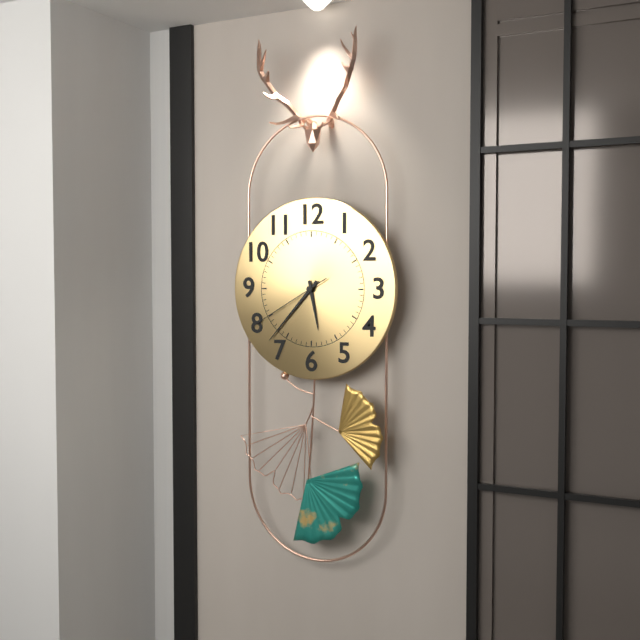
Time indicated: **5:37:40**
